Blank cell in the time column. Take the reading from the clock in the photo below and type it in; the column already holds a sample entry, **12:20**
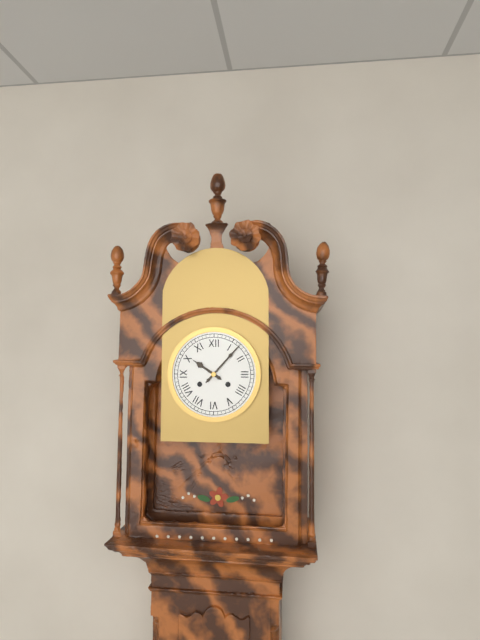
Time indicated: **10:07**
